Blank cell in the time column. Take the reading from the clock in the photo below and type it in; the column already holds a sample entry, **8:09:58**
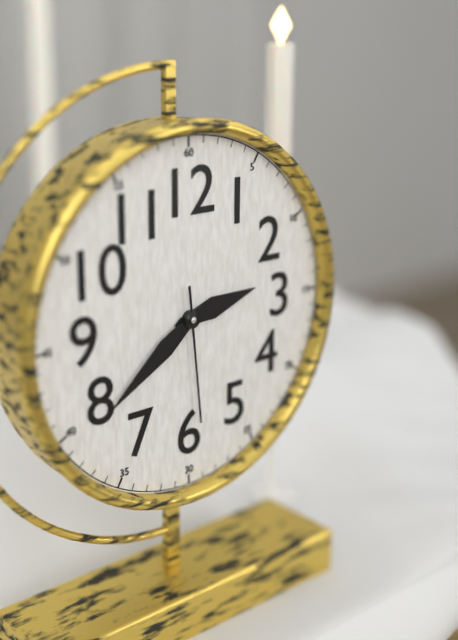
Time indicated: **2:39:29**
